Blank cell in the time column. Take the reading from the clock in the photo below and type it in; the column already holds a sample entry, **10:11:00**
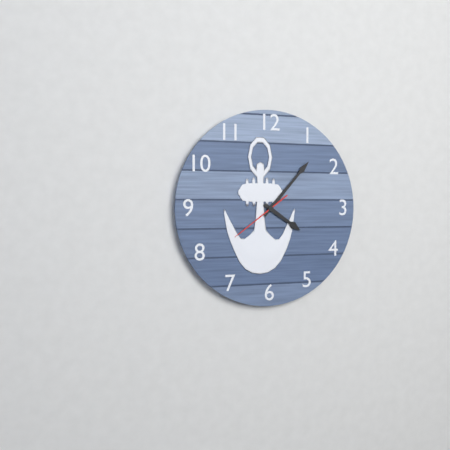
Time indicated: **4:07:39**
